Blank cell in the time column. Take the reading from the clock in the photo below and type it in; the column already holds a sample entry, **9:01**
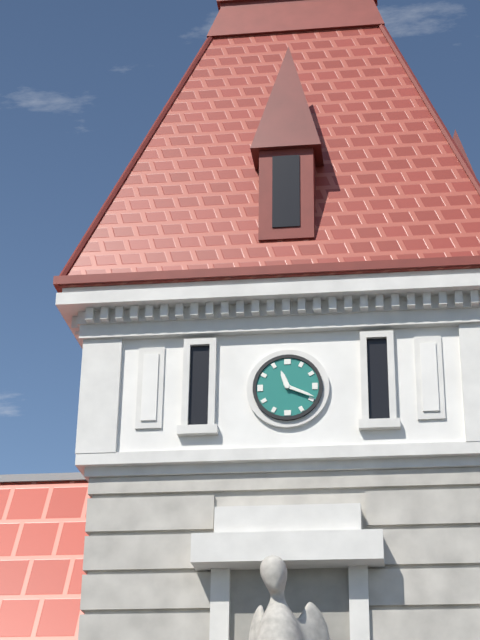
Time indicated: **11:19**
